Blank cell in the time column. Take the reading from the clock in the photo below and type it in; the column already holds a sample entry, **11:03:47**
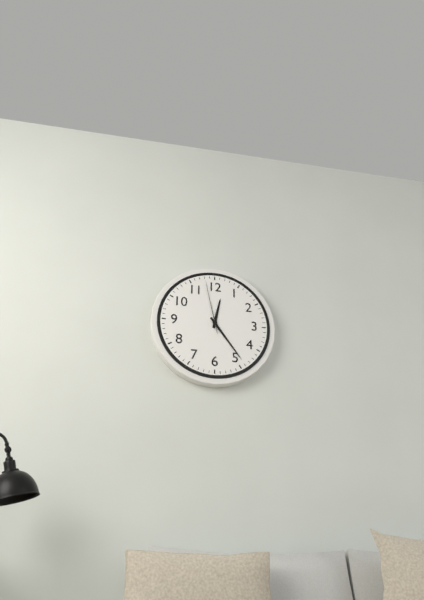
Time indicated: **12:24:58**
